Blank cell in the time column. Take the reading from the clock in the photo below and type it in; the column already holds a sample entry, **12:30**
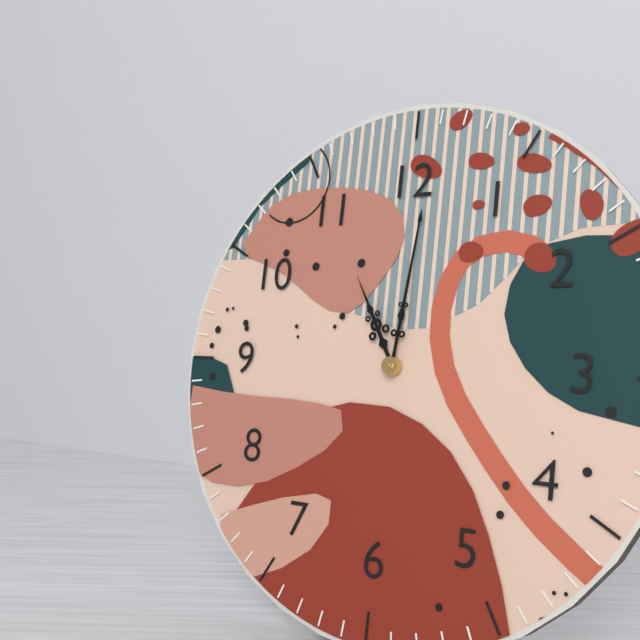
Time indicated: **11:01**
